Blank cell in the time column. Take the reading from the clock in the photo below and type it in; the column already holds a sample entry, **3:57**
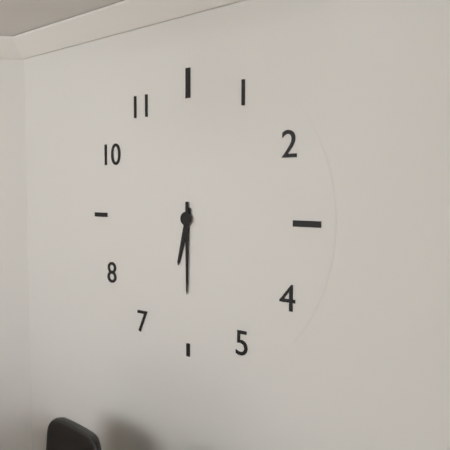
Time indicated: **6:30**
